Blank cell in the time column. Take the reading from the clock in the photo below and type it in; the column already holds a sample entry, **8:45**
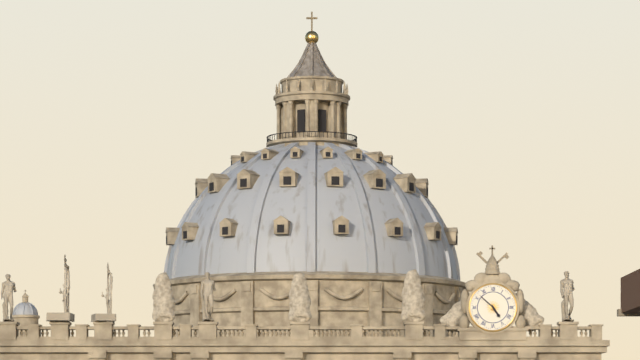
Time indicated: **4:52**
